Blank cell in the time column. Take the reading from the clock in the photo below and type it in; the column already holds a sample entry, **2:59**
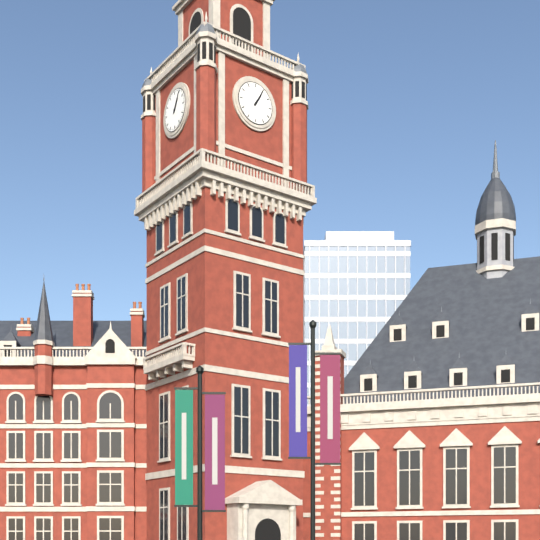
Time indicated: **1:05**
